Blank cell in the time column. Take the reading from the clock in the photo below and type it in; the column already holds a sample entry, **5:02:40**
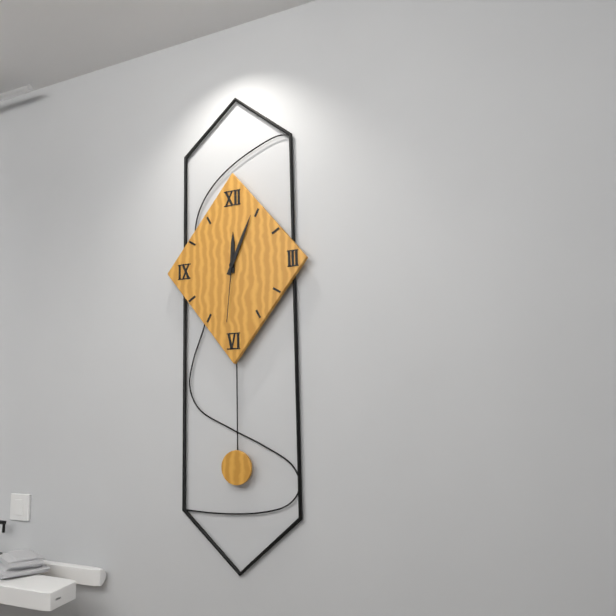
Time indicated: **12:04:31**
